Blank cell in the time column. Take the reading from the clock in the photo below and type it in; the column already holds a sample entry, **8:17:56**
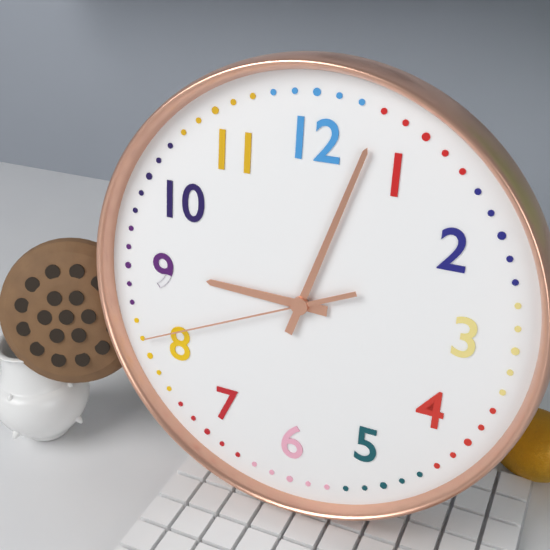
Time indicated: **9:03:41**
